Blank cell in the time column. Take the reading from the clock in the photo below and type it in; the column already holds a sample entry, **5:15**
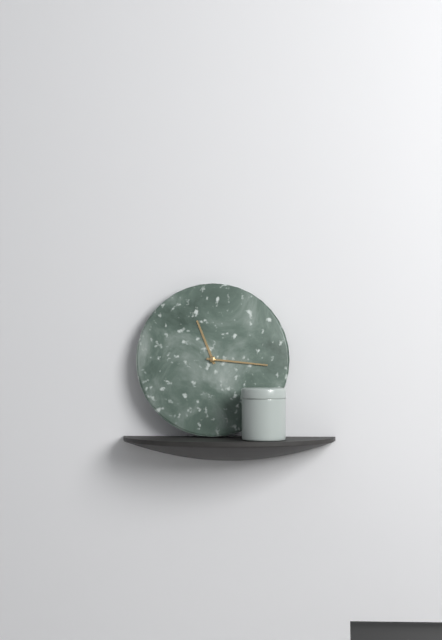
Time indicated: **11:16**
